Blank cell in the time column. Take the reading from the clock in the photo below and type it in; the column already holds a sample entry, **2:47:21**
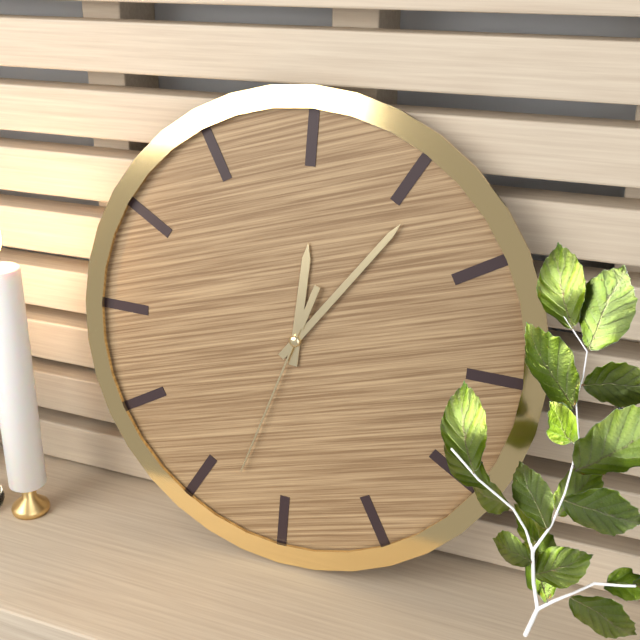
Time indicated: **12:06:33**
